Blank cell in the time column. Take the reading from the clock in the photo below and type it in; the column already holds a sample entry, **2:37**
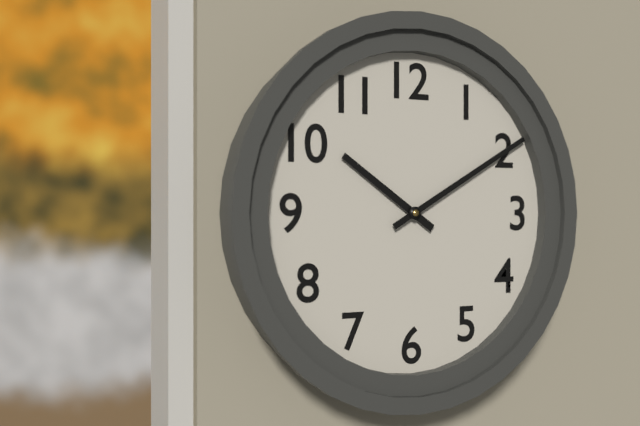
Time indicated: **10:10**
